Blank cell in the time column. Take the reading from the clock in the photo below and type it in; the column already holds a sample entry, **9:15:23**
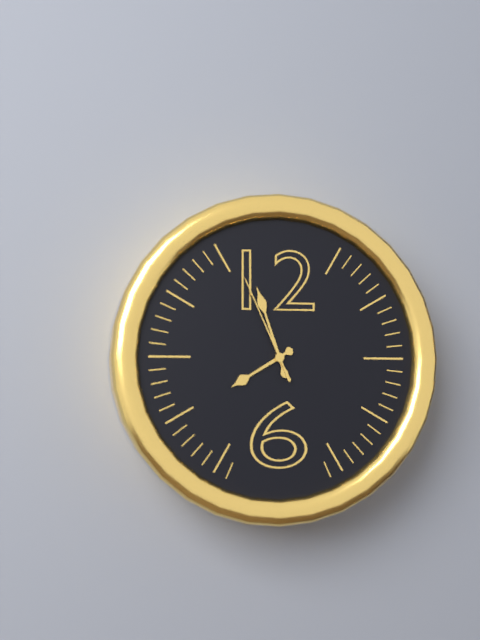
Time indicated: **7:57:56**
